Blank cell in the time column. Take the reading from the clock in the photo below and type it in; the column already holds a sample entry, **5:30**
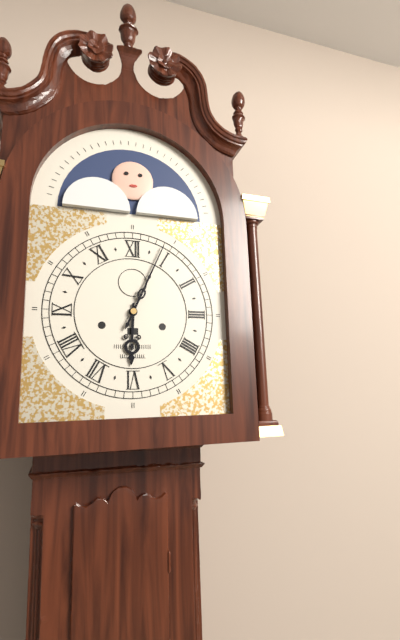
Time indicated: **6:04**
